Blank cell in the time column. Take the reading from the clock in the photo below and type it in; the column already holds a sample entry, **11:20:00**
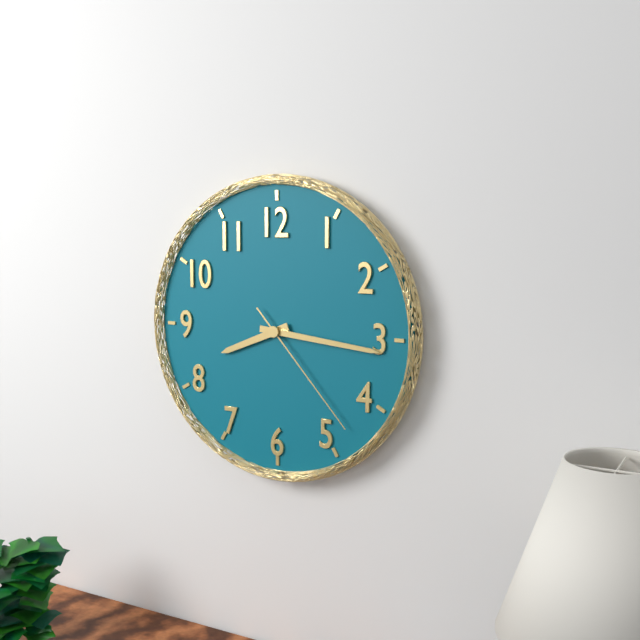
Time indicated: **8:16:23**
